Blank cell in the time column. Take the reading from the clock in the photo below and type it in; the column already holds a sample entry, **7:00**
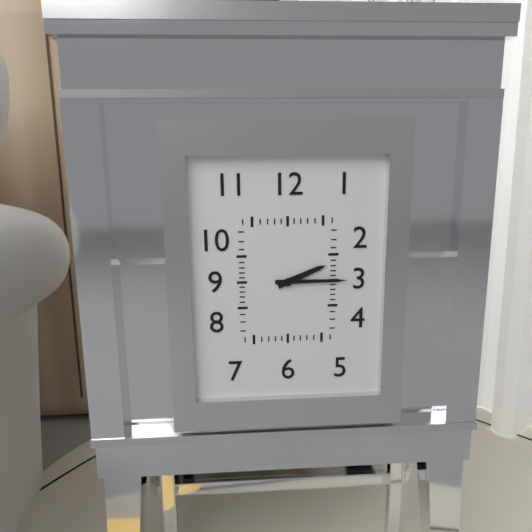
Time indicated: **2:15**
